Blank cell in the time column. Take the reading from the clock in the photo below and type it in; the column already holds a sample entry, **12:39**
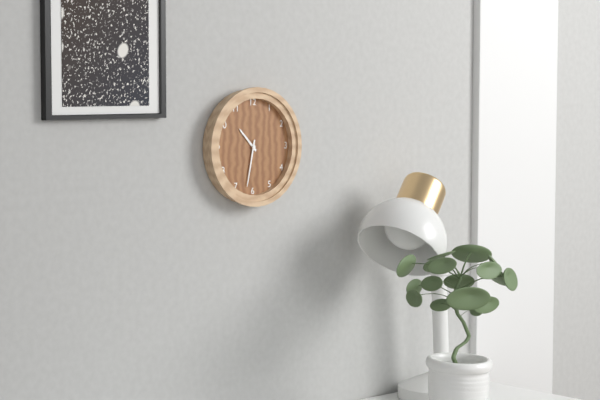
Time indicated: **10:32**
